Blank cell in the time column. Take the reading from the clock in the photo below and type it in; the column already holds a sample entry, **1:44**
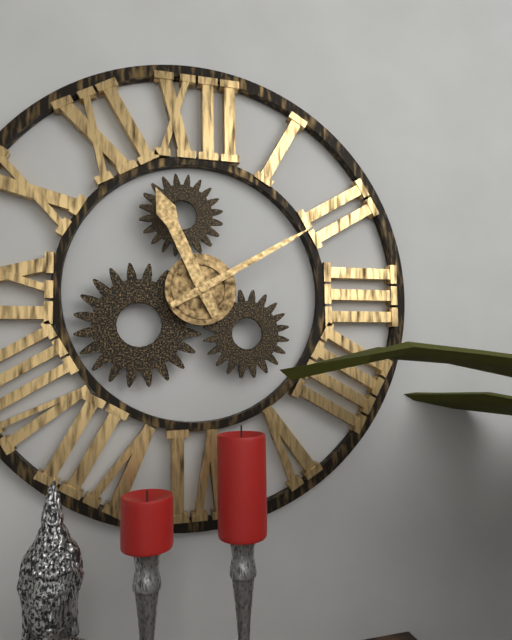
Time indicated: **11:10**
